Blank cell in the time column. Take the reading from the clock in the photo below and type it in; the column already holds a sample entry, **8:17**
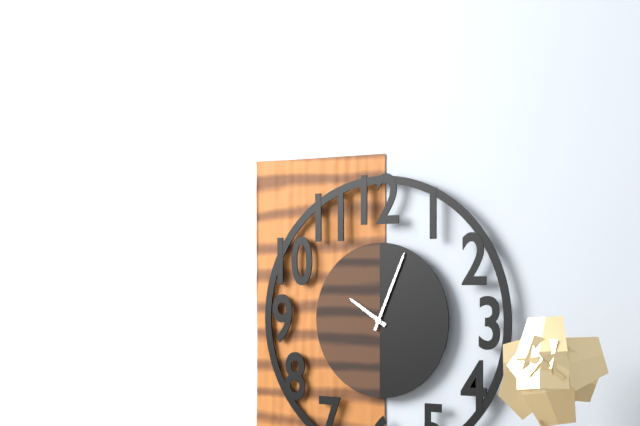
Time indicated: **10:04**
